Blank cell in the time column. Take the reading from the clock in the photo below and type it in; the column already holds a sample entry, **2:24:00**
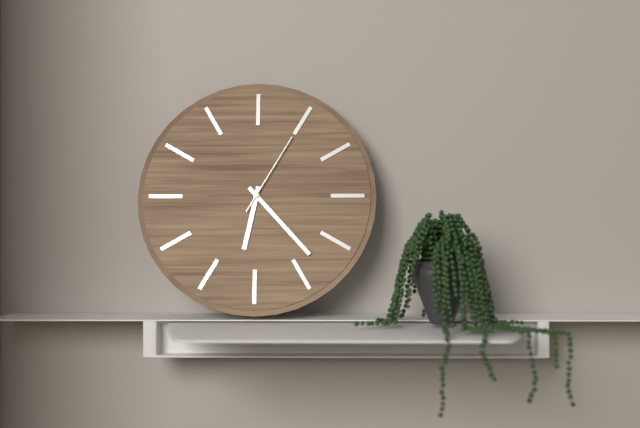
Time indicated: **6:23:05**
